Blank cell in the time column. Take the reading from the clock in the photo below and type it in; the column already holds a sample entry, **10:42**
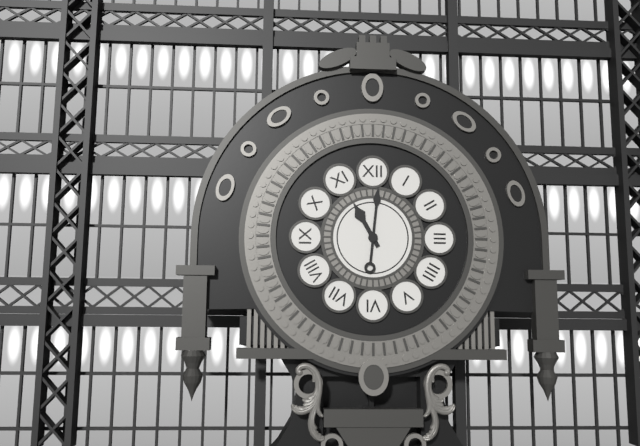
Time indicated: **11:01**
